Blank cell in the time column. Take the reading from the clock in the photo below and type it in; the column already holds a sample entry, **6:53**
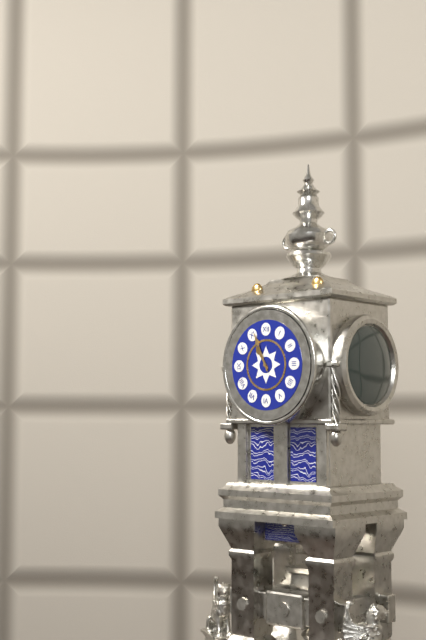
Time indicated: **10:56**
